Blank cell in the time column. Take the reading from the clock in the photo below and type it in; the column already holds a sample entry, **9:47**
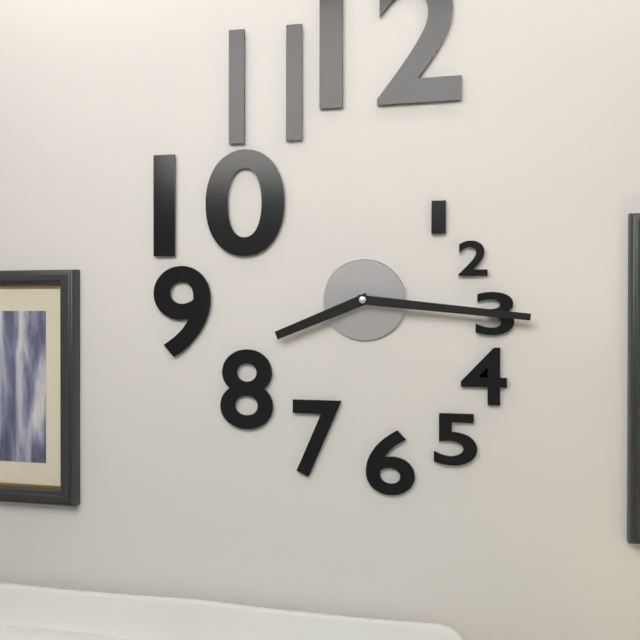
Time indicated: **8:16**
